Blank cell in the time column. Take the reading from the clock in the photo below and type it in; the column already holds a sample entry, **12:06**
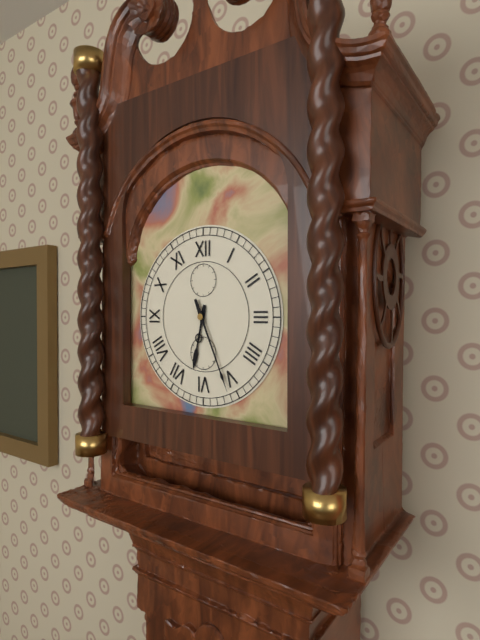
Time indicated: **6:26**
